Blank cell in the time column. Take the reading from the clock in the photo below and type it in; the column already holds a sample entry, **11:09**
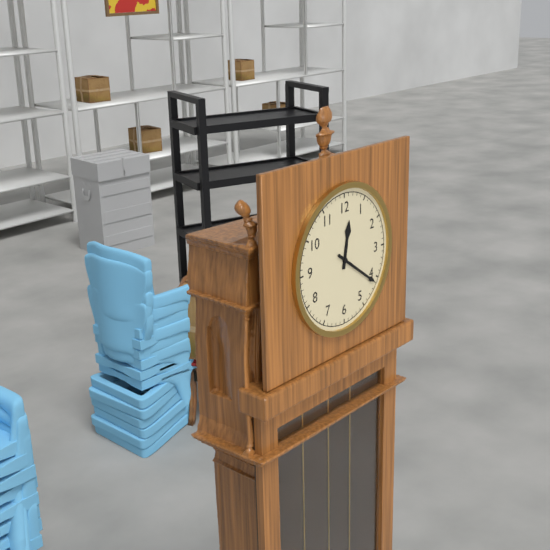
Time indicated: **12:21**
